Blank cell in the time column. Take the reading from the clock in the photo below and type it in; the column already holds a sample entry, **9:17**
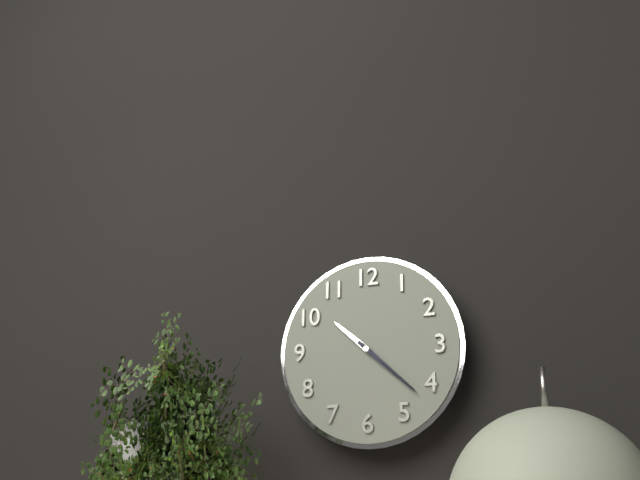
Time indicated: **10:22**
